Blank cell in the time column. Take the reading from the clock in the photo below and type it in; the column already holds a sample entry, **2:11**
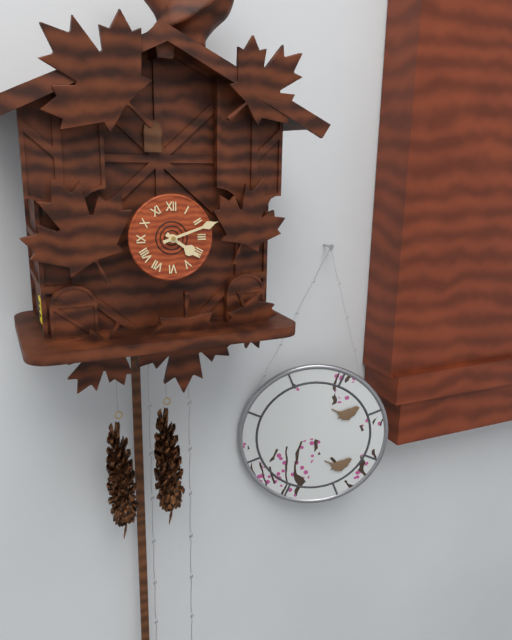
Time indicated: **4:12**
